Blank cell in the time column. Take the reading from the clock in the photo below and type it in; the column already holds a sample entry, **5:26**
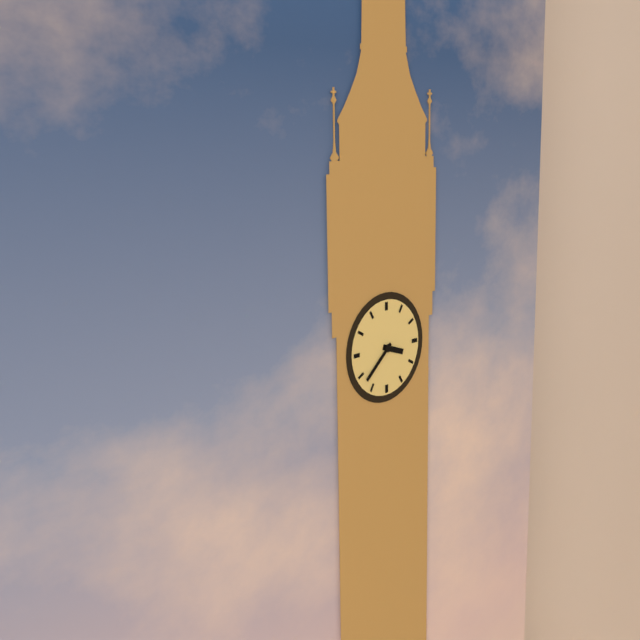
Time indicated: **3:38**
